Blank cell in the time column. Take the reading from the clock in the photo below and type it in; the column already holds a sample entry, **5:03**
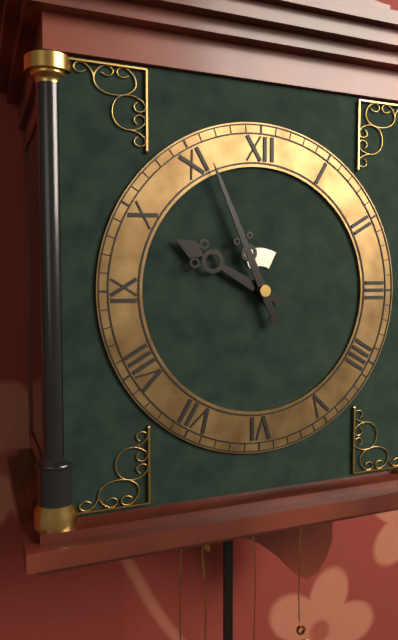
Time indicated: **9:56**
